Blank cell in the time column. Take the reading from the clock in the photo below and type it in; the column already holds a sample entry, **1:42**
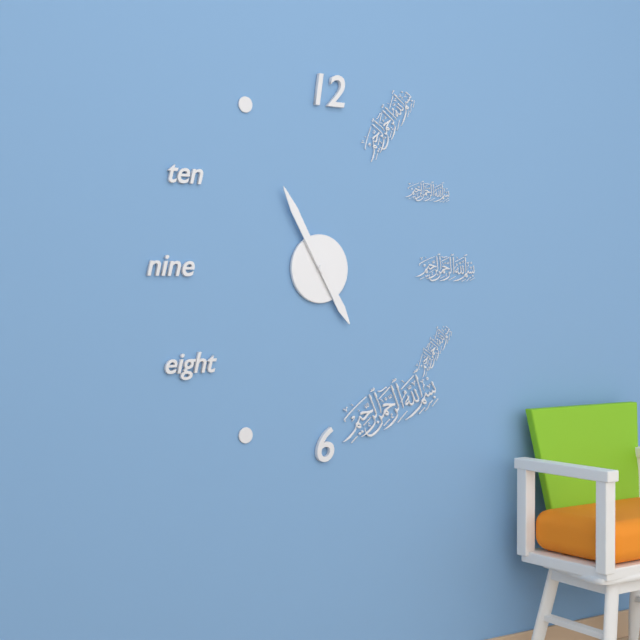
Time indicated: **4:55**
